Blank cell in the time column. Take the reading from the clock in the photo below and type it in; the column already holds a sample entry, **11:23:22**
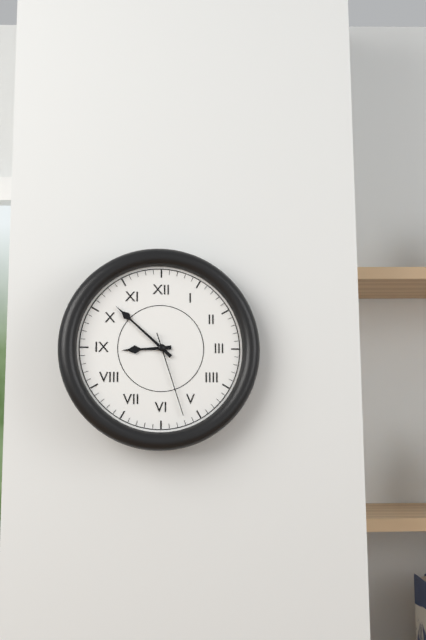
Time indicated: **8:52:27**
